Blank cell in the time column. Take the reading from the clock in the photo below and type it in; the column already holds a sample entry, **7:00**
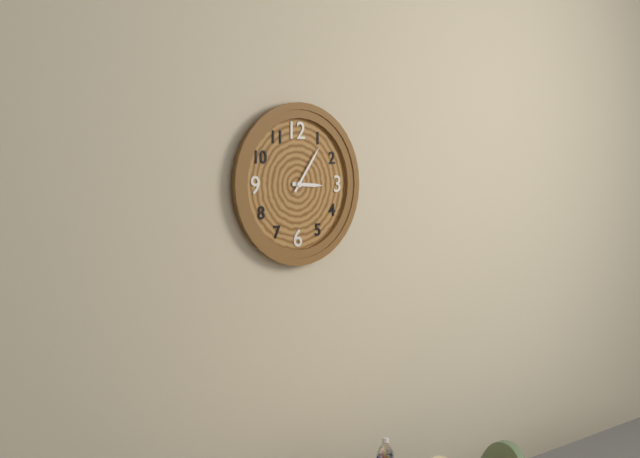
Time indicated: **3:06**
